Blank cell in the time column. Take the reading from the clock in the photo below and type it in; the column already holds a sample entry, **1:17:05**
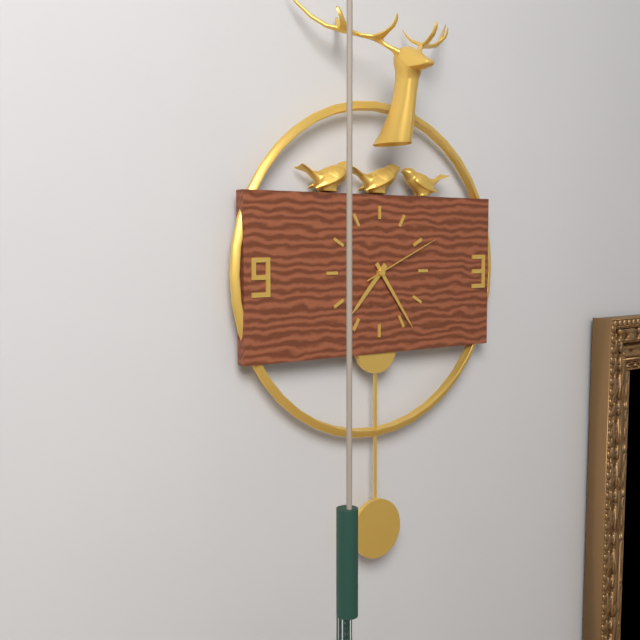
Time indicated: **7:24:11**
